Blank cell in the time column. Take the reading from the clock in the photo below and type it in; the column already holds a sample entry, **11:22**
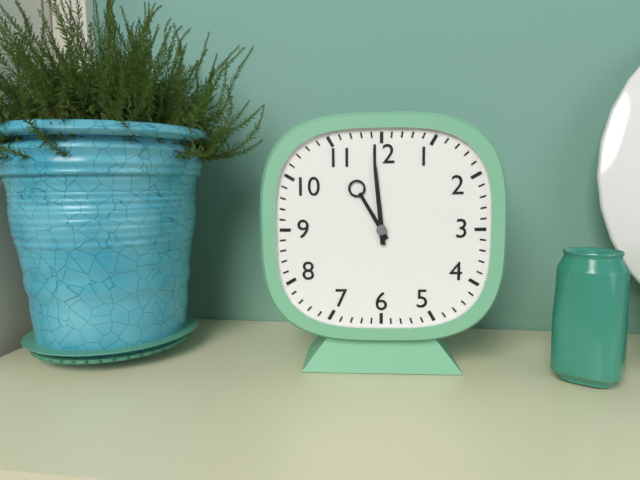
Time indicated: **10:59**
